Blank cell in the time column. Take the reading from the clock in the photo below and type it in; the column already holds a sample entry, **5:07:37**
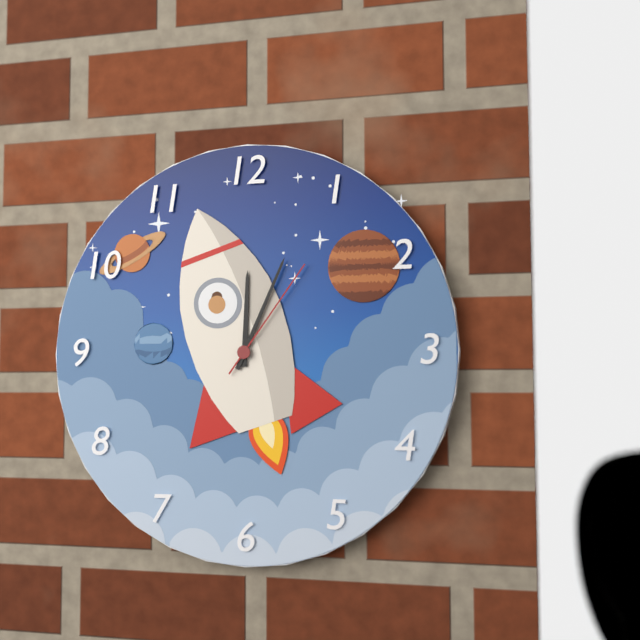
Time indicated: **12:04:06**
